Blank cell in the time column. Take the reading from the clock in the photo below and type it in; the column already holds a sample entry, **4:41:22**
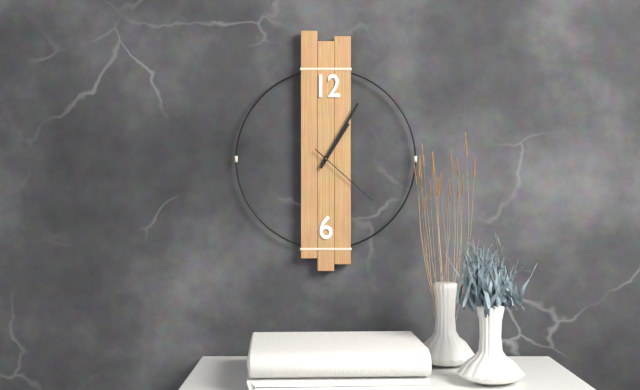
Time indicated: **1:05:22**
